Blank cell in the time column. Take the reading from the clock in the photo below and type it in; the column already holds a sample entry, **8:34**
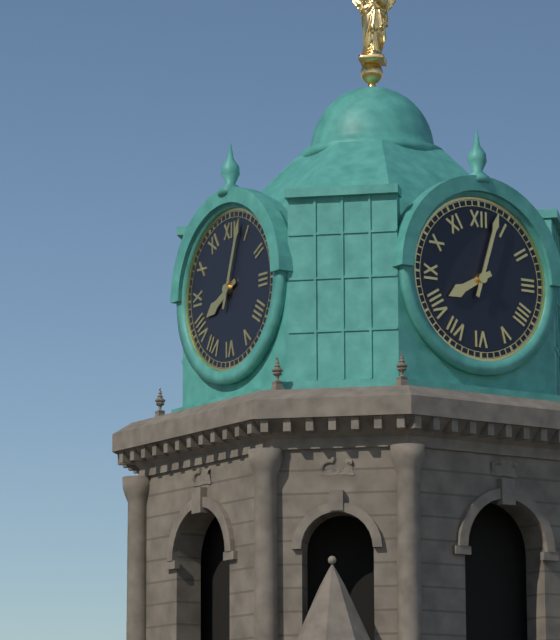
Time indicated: **8:03**
